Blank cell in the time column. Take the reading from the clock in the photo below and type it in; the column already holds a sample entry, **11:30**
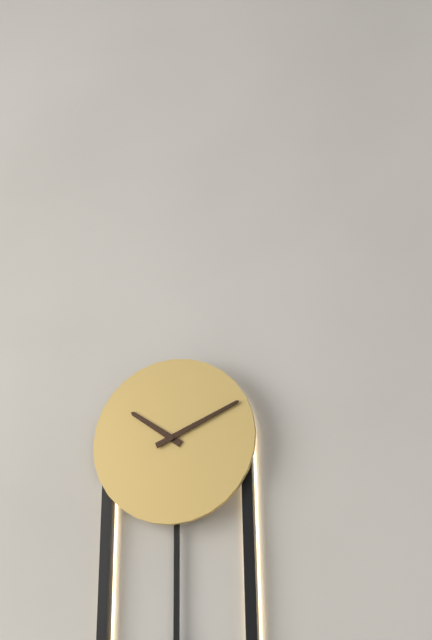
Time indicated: **10:11**
